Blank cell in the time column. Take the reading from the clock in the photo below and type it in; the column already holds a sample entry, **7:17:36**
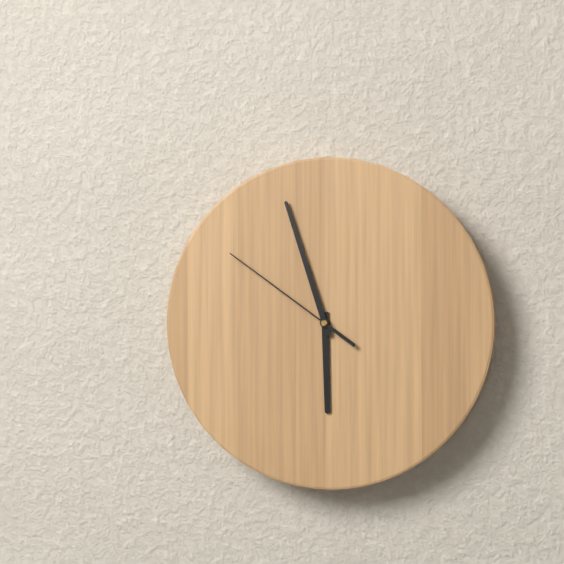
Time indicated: **5:57:51**
